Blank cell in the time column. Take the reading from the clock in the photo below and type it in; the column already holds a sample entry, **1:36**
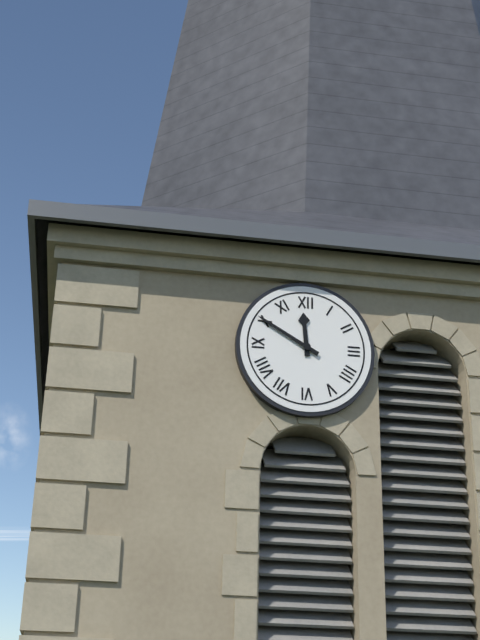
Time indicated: **11:50**
